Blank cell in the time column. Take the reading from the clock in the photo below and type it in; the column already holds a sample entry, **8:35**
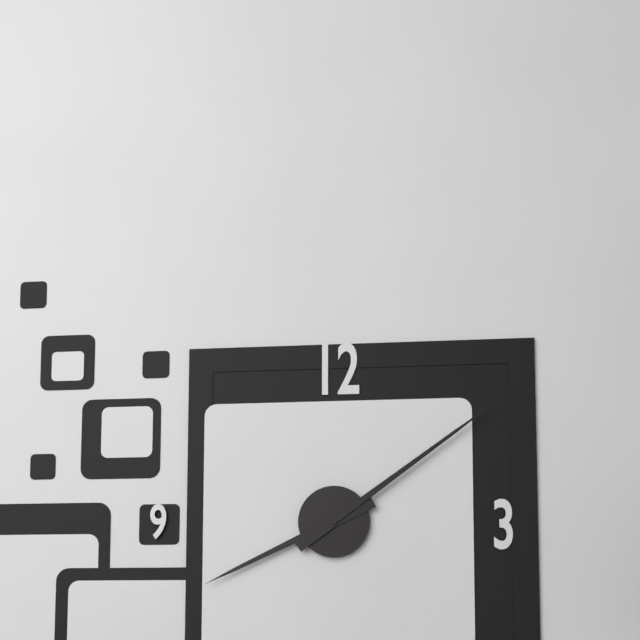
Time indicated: **8:09**
